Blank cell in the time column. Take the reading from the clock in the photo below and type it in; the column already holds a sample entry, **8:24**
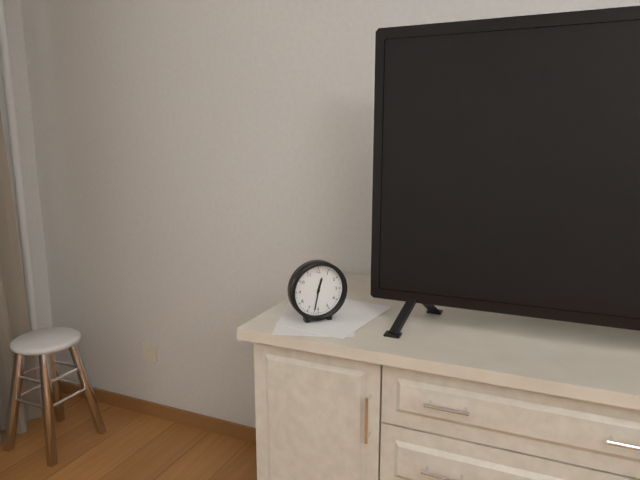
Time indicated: **12:32**
